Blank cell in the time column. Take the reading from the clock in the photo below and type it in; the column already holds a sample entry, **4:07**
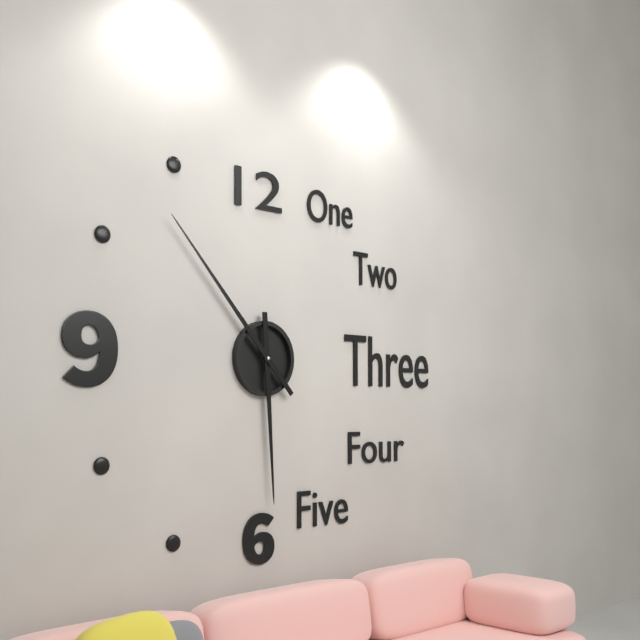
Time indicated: **5:53**
